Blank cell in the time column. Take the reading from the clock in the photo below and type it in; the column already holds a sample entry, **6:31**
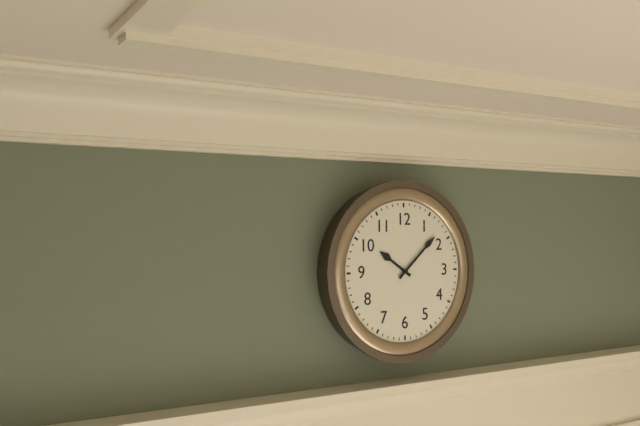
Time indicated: **10:08**
